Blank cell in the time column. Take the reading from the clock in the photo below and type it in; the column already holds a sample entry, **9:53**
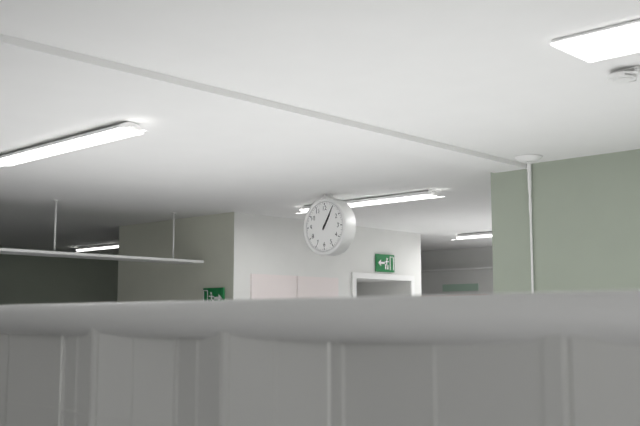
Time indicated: **1:05**
